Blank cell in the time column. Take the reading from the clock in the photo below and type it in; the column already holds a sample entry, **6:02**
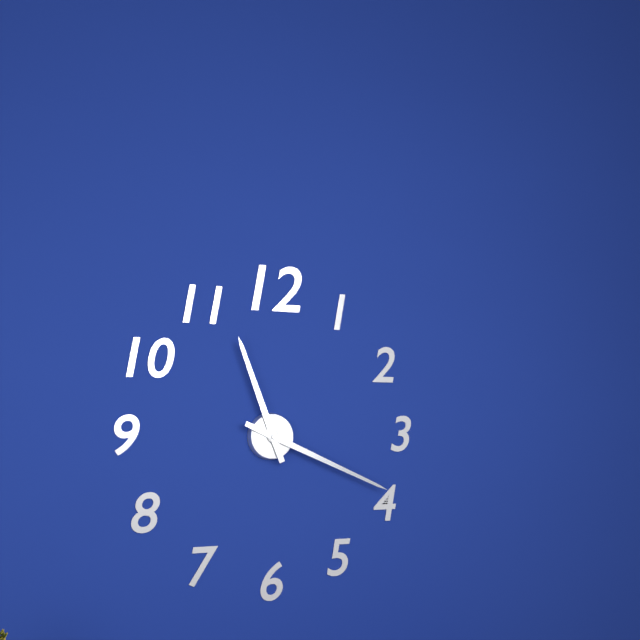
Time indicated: **11:19**
